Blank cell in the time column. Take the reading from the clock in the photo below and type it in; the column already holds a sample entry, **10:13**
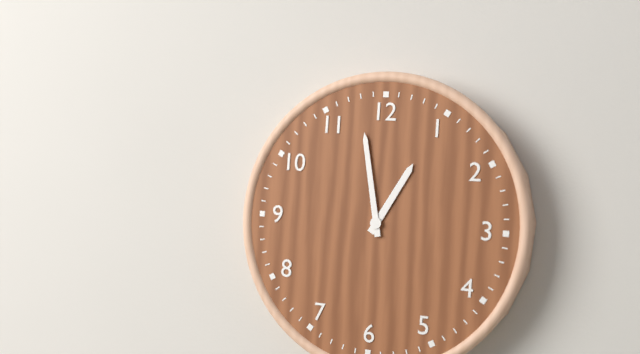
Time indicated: **12:58**
